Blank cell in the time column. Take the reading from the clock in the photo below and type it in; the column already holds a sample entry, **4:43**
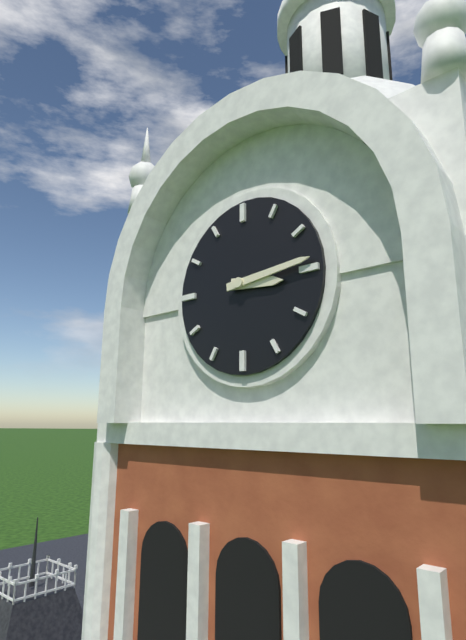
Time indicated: **3:14**
